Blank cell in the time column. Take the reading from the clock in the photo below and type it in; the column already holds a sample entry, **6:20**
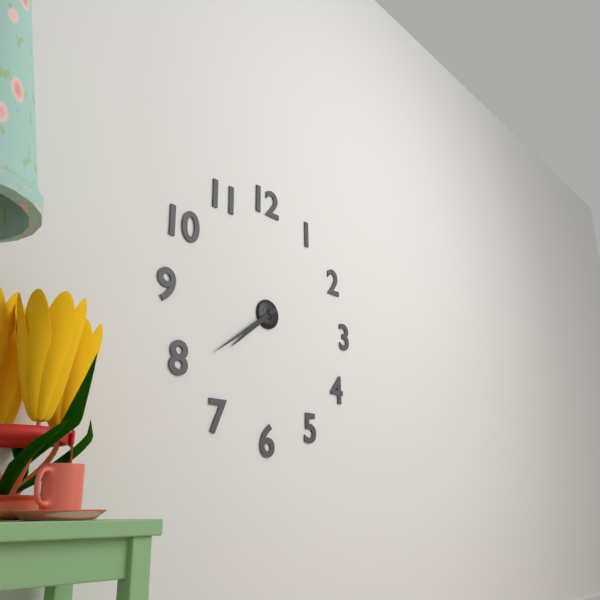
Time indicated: **7:39**
